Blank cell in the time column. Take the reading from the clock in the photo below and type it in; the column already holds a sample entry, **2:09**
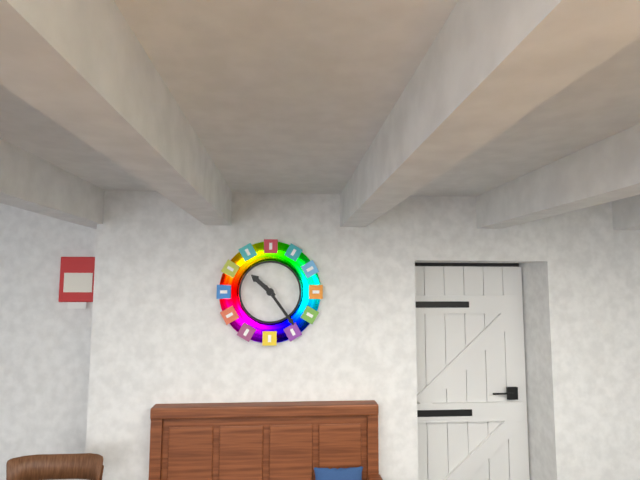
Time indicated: **10:24**
